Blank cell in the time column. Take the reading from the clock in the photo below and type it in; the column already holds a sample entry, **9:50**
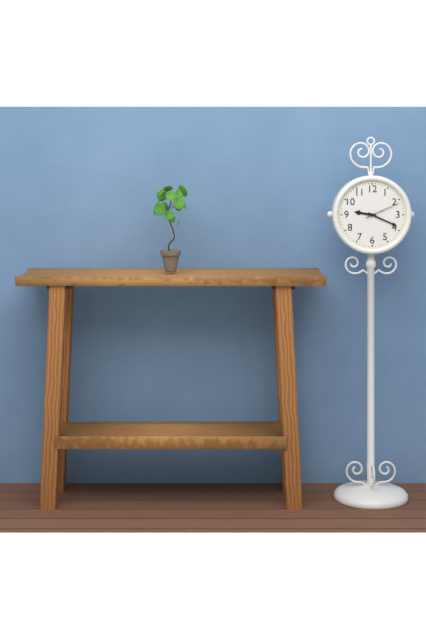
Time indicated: **9:19**
